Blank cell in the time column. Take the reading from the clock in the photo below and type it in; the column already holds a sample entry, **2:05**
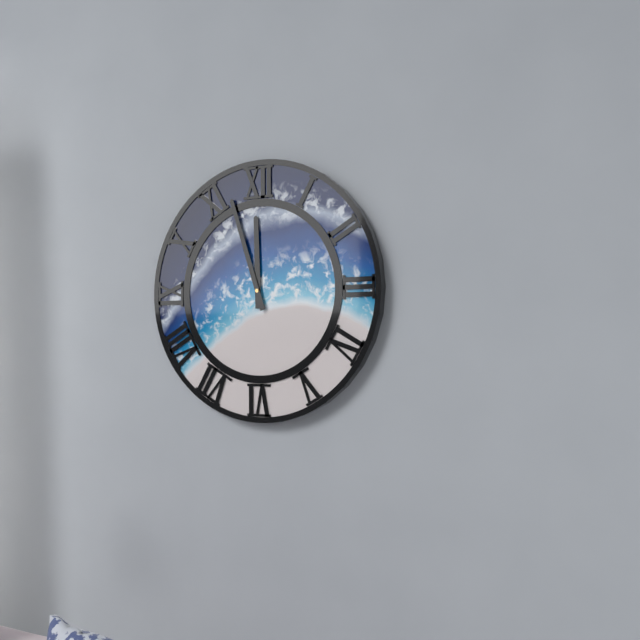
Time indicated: **11:57**
